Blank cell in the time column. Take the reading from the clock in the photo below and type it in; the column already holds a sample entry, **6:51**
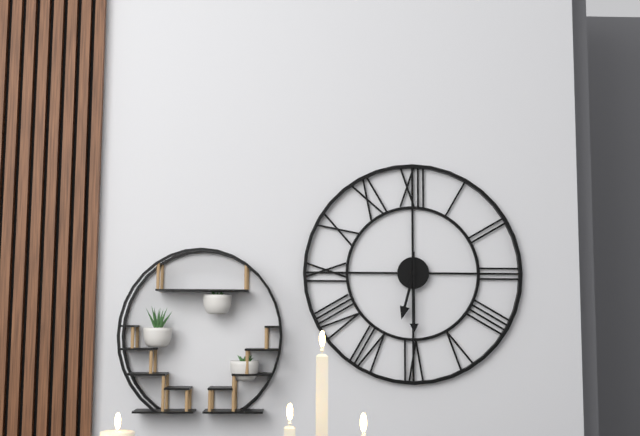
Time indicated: **6:30**
